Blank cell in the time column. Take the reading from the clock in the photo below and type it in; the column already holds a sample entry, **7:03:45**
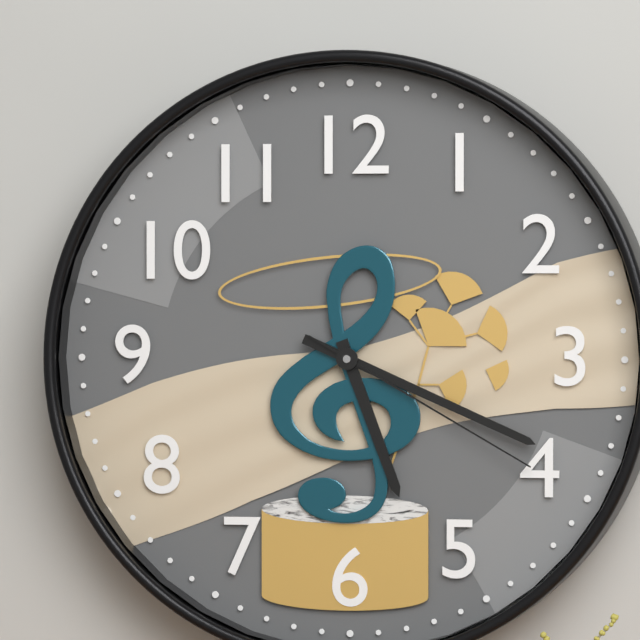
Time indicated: **5:19:20**
